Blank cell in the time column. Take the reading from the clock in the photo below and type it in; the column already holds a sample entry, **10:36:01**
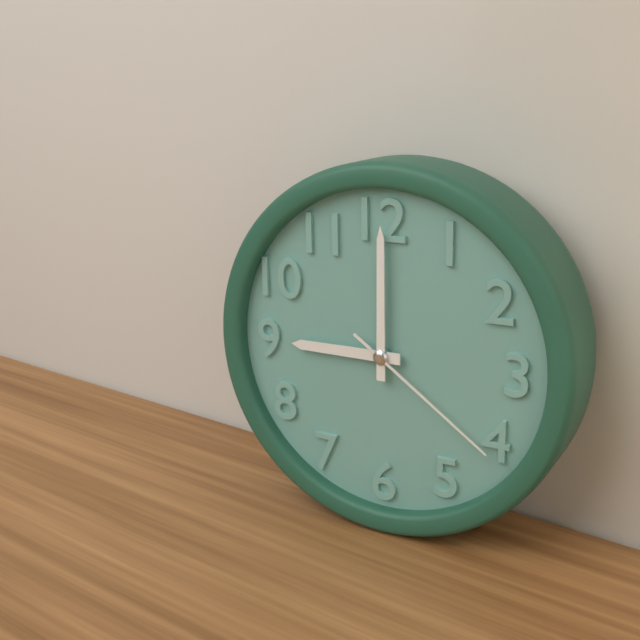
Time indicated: **9:00:21**
